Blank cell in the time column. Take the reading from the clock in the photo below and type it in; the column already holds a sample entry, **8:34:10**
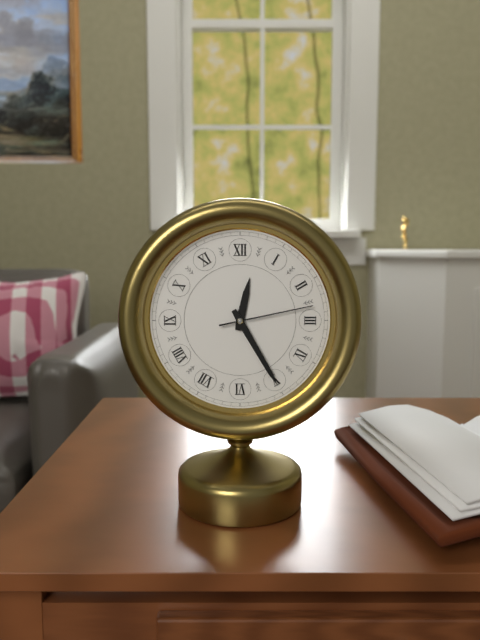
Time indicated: **12:25:13**
